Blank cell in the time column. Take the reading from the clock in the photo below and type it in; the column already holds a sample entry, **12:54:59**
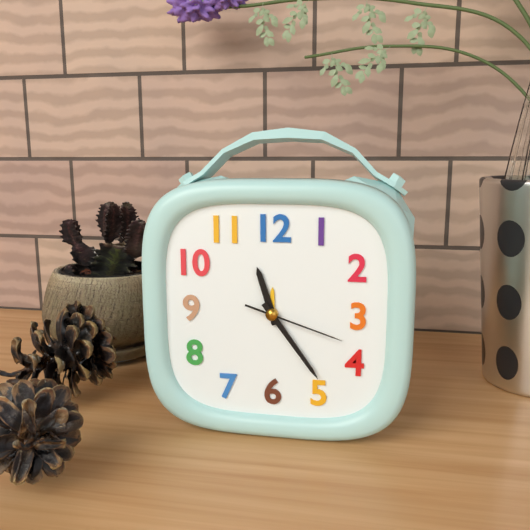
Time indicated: **11:24:18**
